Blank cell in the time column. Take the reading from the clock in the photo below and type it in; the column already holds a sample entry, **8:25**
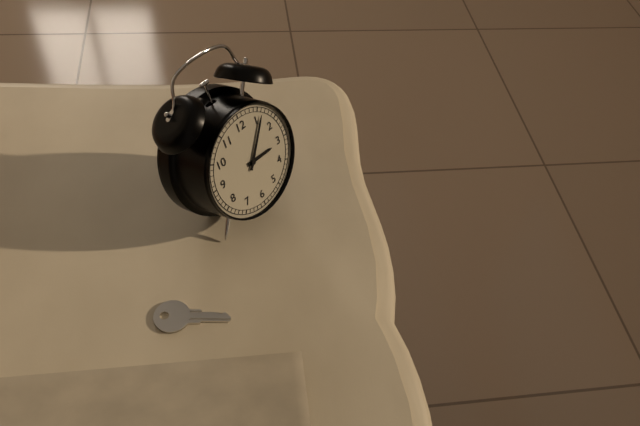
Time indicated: **3:06**
